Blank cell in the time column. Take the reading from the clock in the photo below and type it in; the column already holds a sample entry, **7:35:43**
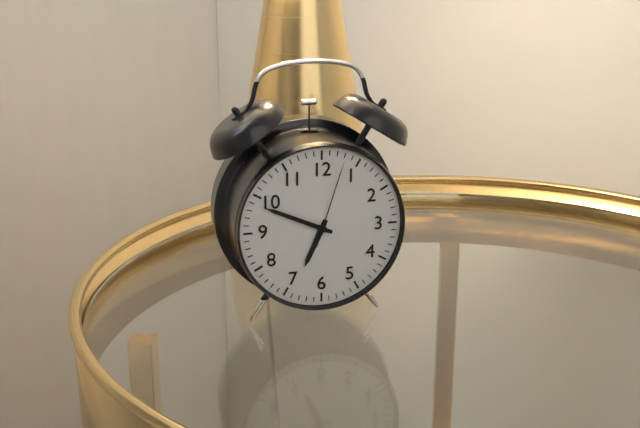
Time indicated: **6:49:03**
